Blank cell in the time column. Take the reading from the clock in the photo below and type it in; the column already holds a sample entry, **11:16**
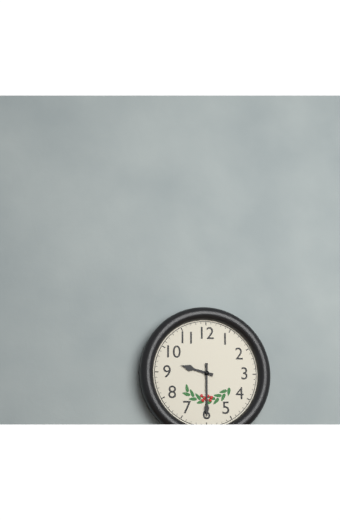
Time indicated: **9:30**
